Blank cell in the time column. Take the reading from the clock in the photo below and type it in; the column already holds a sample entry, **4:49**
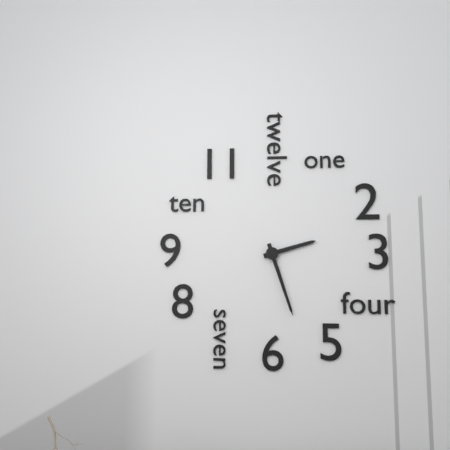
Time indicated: **2:27**
